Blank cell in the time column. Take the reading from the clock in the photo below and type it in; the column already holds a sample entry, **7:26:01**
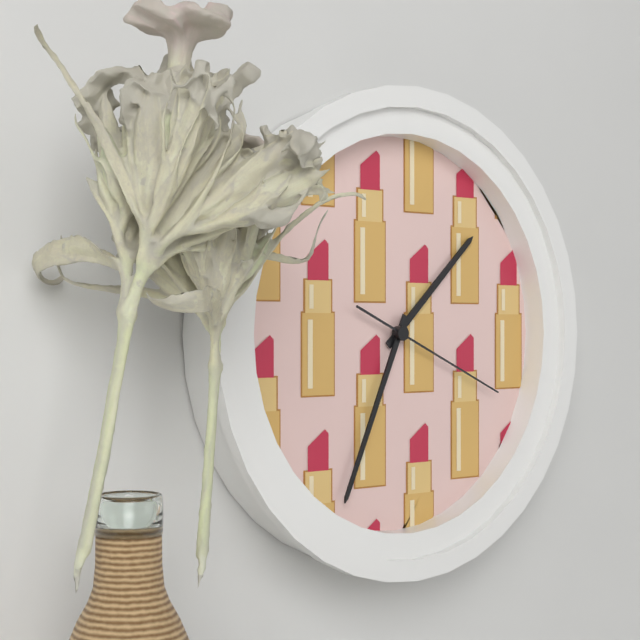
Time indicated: **1:34:19**
